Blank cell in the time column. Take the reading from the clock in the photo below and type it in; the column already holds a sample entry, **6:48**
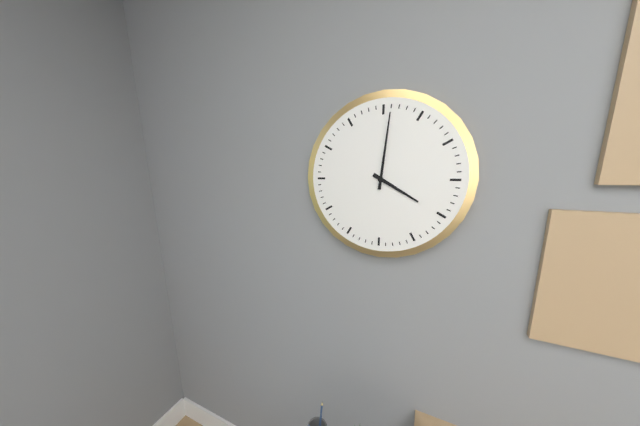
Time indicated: **4:01**
